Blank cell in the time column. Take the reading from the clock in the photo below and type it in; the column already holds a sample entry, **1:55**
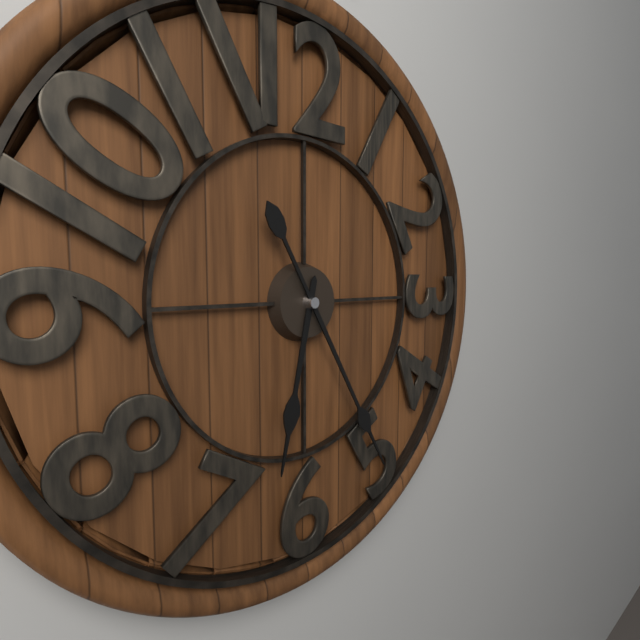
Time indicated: **6:25**
